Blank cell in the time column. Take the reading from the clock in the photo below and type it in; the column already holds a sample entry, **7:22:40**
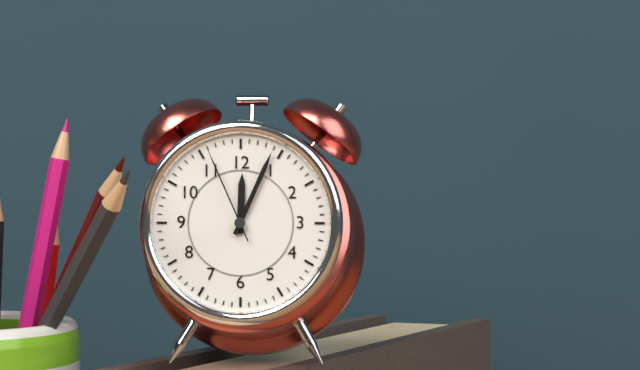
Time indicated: **12:04:56**
